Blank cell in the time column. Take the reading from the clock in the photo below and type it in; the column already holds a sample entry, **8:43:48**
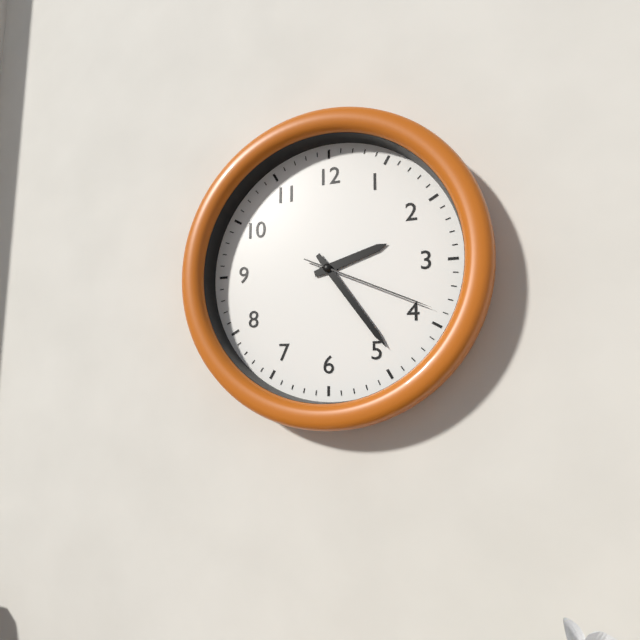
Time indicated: **2:24:19**
